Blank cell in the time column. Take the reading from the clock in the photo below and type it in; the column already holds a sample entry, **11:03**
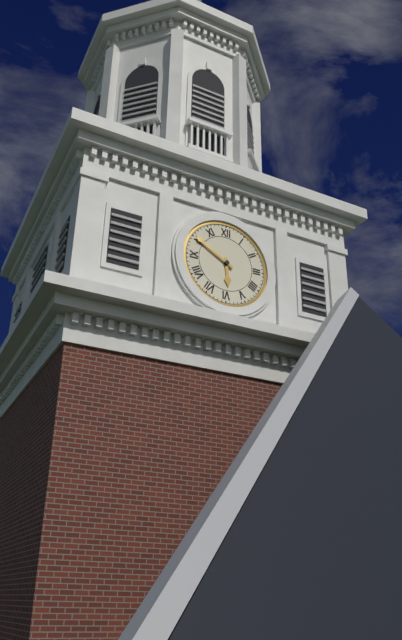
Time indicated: **5:50**
